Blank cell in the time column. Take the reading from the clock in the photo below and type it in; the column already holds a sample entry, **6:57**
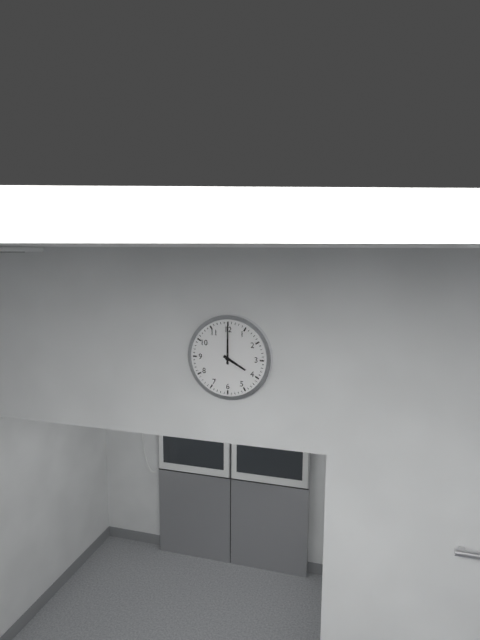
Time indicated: **4:00**
